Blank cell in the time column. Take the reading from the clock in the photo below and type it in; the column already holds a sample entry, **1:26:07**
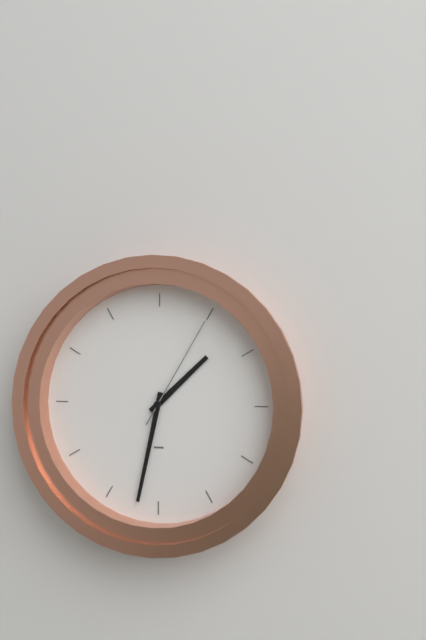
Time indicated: **1:32:05**
